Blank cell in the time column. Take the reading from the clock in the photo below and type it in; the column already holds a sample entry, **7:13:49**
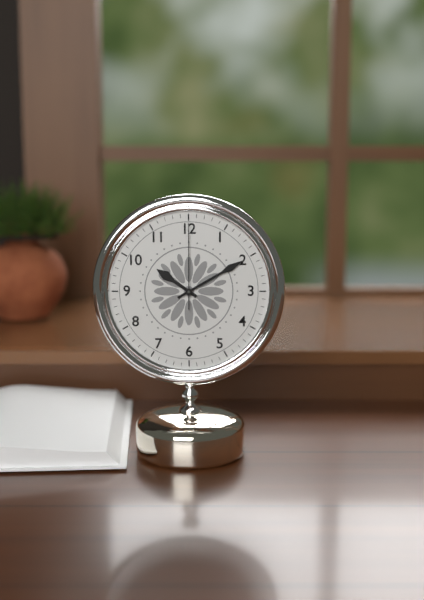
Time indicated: **10:10:00**
